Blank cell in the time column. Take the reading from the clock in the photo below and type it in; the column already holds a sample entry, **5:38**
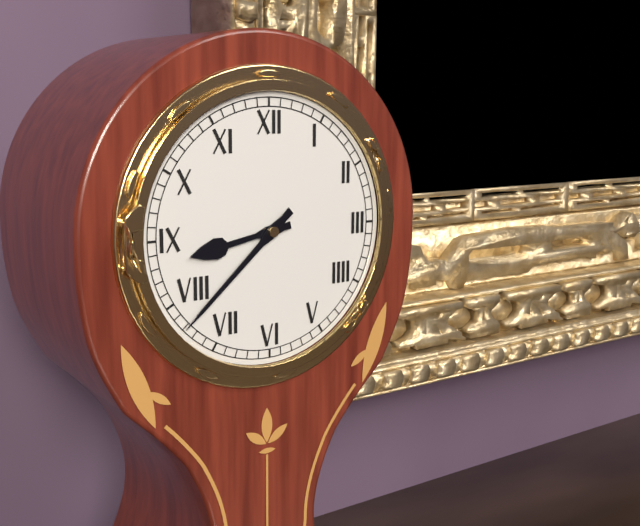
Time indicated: **8:38**
